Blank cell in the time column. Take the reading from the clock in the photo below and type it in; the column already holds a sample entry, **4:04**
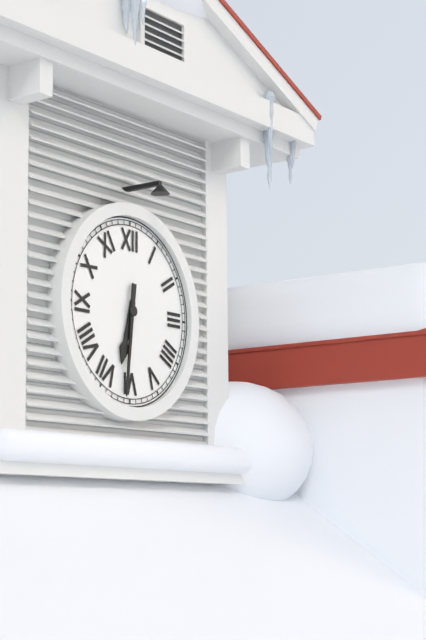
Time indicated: **6:31**
